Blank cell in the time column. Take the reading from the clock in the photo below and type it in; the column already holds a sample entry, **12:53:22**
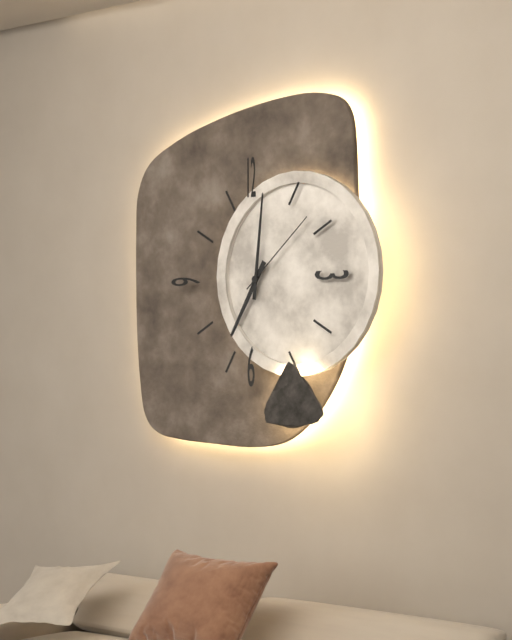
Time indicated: **7:01:08**
